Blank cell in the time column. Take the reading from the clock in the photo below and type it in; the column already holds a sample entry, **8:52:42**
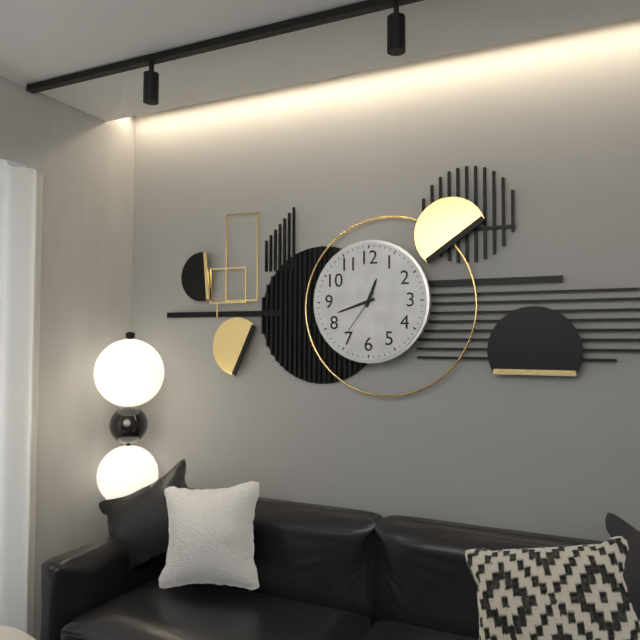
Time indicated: **12:42:36**
